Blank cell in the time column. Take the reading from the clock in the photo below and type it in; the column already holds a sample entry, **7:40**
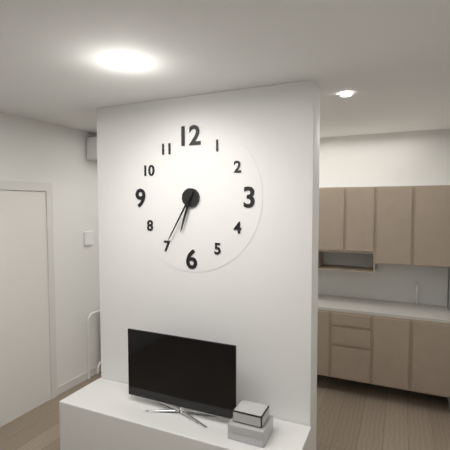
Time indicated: **6:35**
